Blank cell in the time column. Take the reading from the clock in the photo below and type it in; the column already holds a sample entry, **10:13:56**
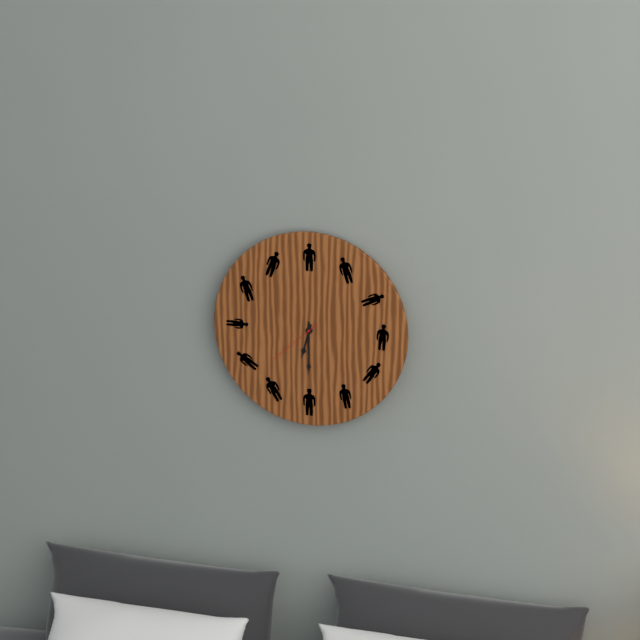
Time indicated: **6:30:38**
